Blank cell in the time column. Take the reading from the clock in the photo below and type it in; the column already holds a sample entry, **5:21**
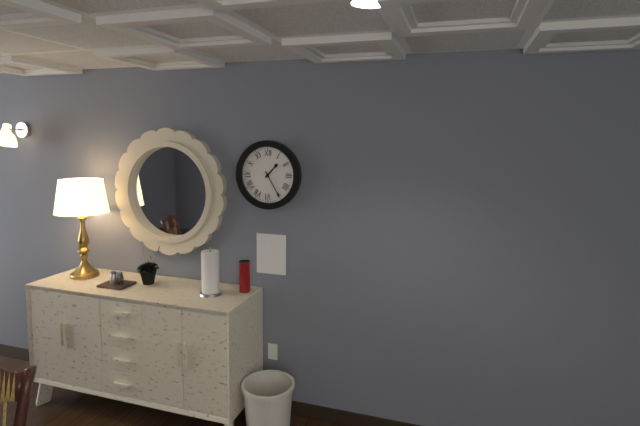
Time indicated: **1:25**
